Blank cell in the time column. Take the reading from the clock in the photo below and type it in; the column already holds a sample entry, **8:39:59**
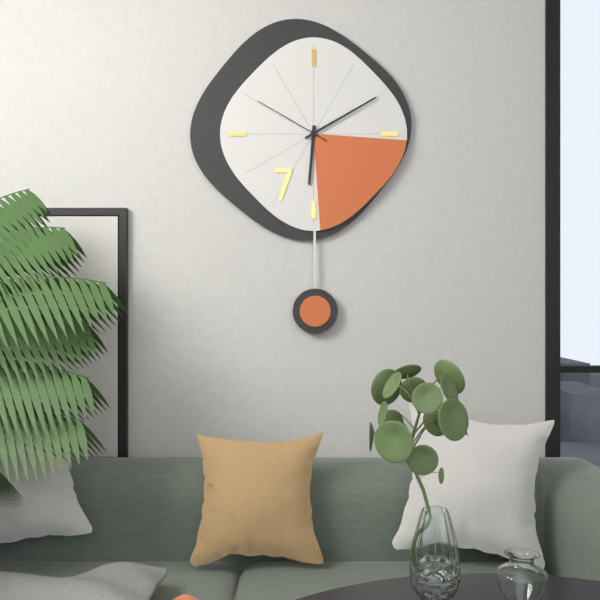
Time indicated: **6:10:50**
